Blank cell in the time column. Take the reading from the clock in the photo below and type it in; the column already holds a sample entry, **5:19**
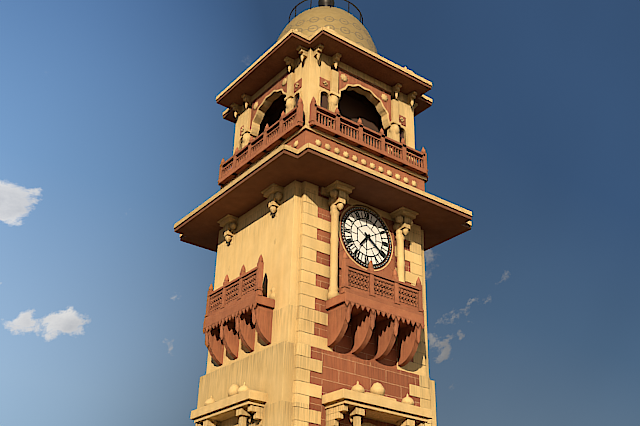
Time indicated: **7:21**
